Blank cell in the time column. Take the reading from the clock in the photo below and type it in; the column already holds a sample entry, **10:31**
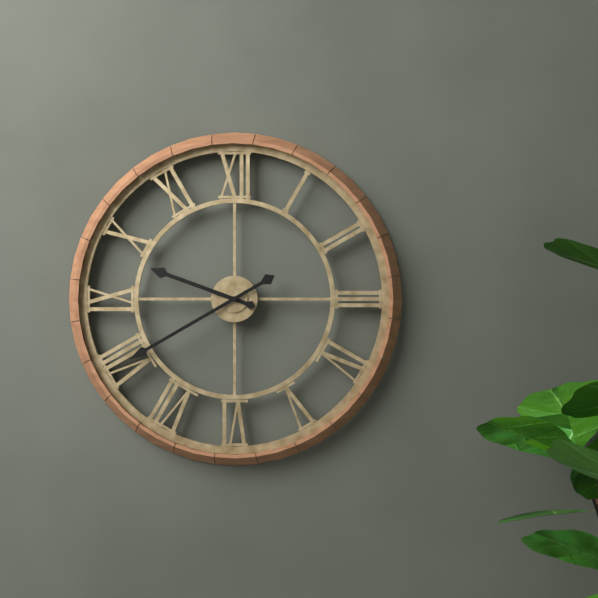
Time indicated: **9:40**
